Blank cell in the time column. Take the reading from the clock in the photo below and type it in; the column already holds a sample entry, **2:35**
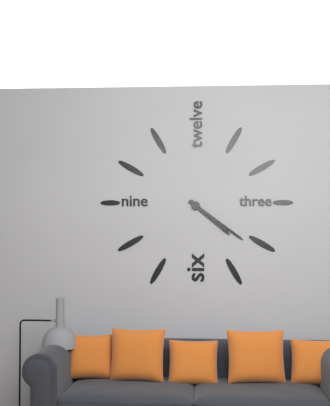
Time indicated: **4:21**
